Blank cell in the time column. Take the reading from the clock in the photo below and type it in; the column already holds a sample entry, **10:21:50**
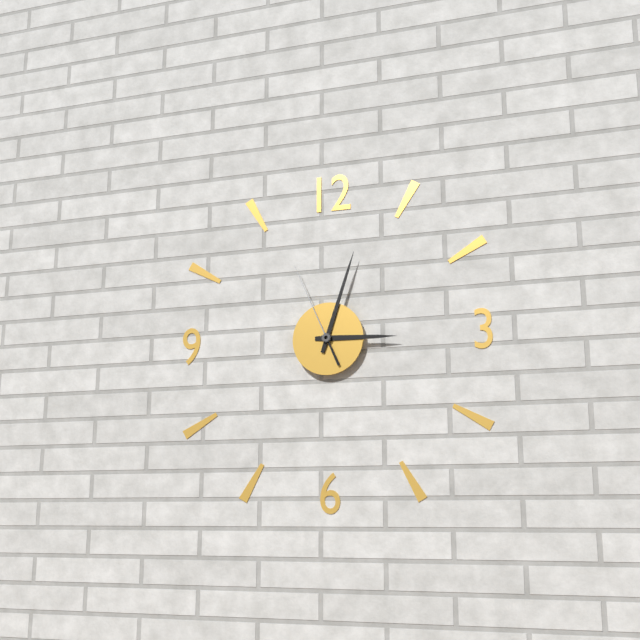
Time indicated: **3:03:56**
